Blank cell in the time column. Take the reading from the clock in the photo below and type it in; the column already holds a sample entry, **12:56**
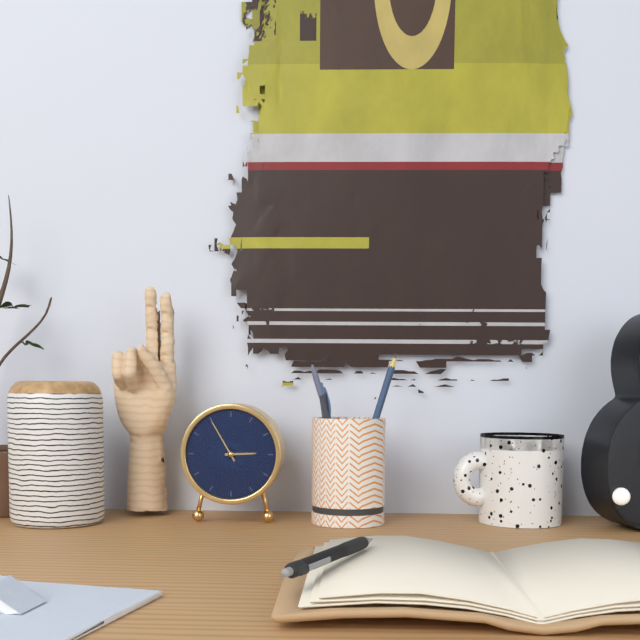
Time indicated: **2:55**
